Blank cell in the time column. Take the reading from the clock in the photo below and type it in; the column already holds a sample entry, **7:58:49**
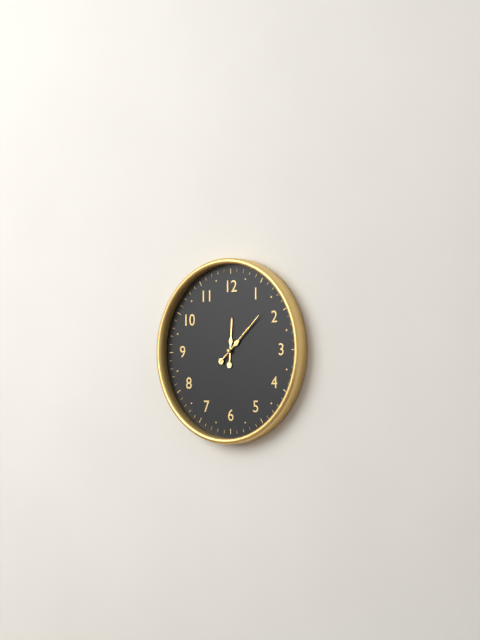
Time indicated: **12:08:08**
